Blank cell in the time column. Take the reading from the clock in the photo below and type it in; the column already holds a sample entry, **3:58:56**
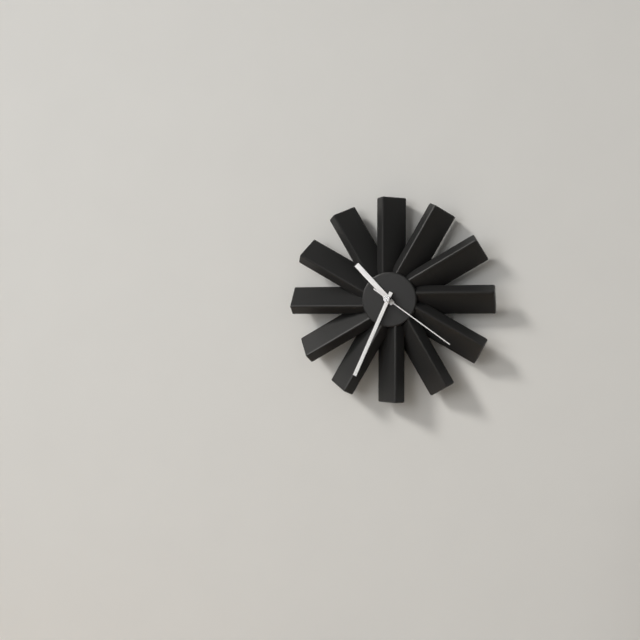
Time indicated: **10:34:21**
